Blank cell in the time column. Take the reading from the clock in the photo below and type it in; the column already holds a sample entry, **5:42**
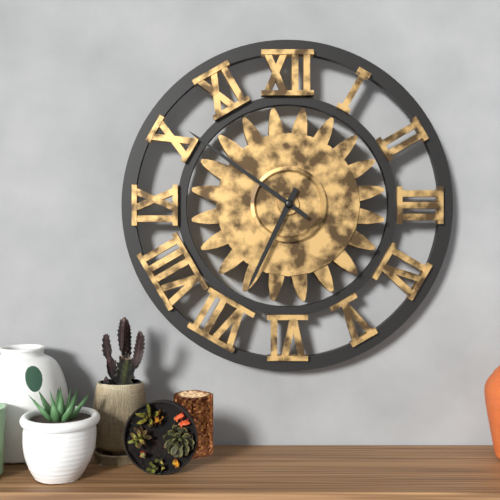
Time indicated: **6:51**
